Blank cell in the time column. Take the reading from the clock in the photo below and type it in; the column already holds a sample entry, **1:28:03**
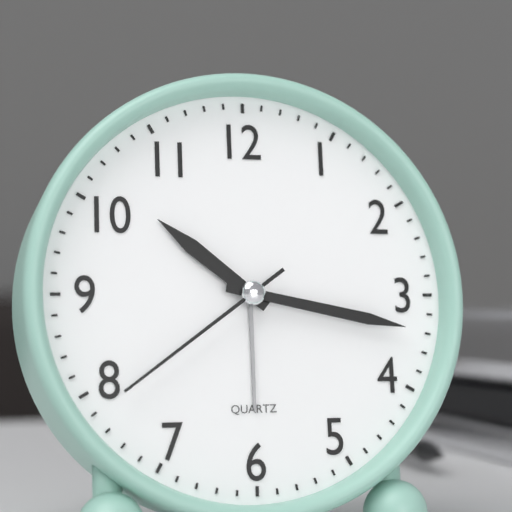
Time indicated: **10:17:39**
